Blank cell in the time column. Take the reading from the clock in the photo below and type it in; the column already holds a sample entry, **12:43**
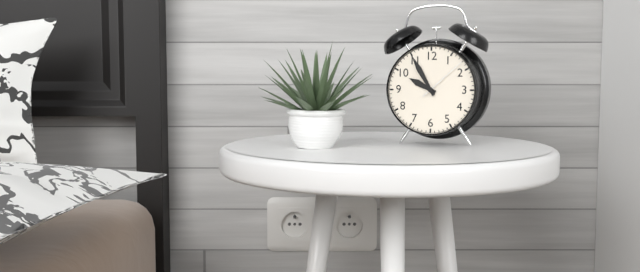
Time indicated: **9:55**
